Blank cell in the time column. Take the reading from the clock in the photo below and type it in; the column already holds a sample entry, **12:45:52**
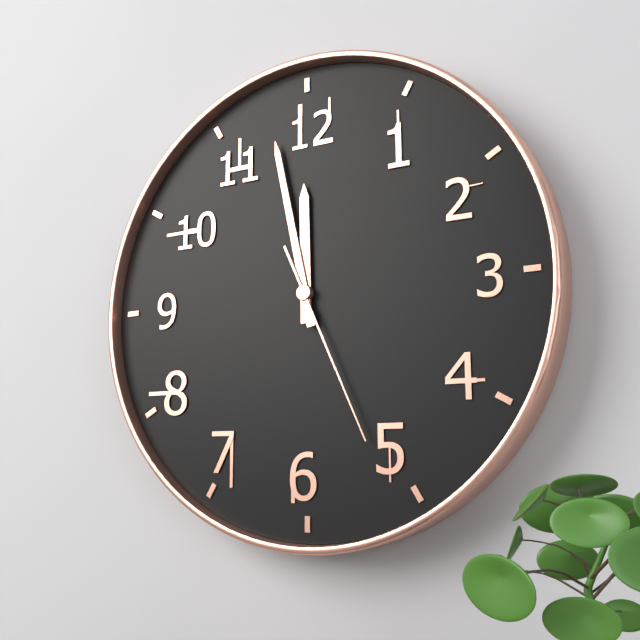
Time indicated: **11:58:26**
